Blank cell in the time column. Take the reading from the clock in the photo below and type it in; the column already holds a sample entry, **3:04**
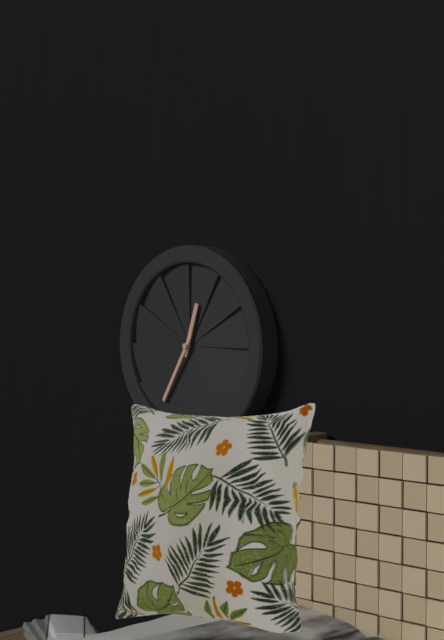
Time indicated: **12:35**
